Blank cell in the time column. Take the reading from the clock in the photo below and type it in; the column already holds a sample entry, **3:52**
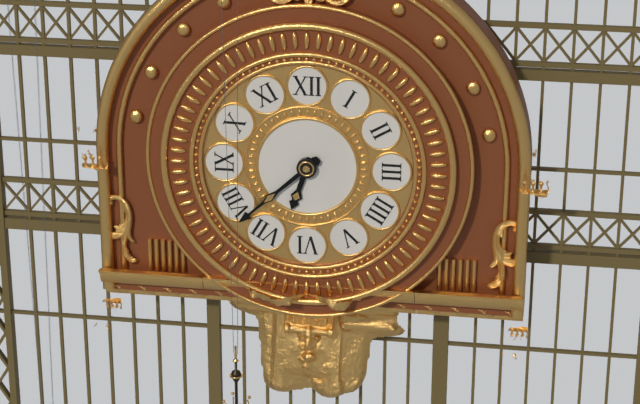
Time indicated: **6:38**
